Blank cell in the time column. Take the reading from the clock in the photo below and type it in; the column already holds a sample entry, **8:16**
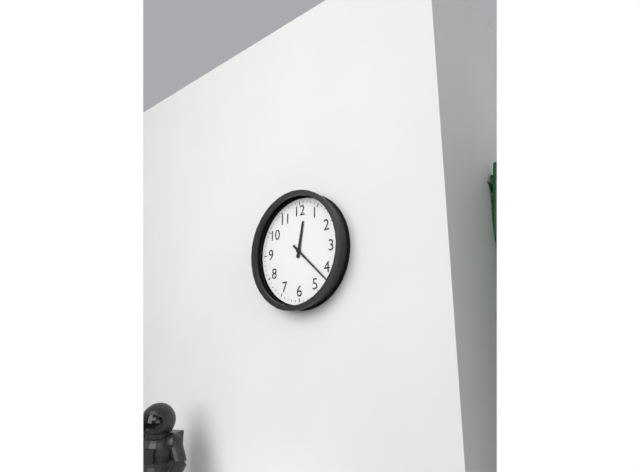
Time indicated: **12:22**
